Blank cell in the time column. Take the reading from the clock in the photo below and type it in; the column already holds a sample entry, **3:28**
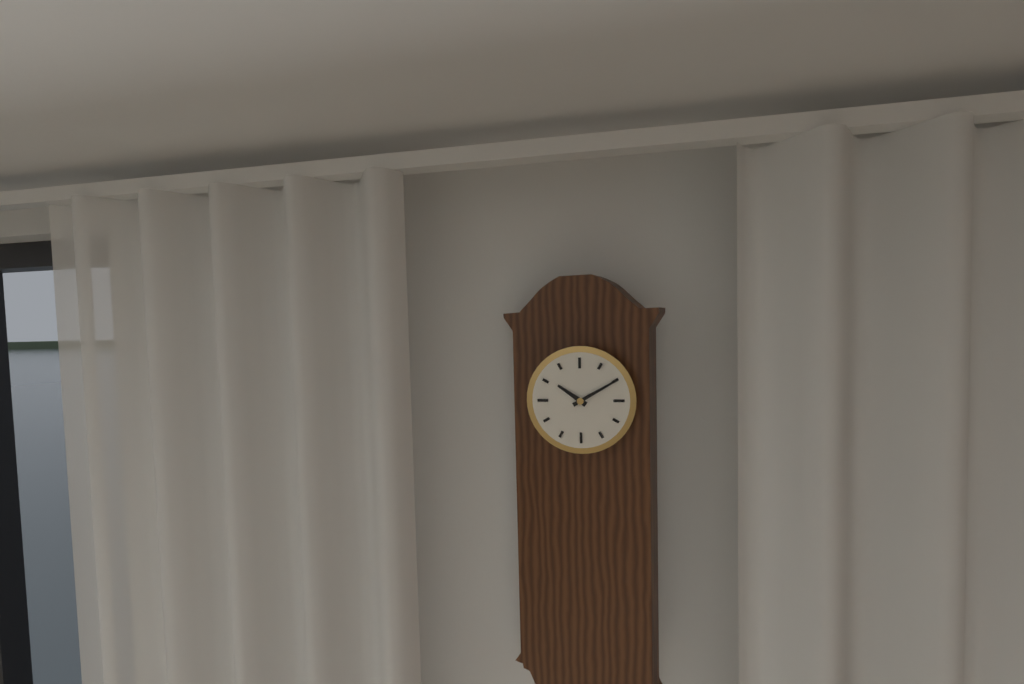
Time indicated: **10:10**
